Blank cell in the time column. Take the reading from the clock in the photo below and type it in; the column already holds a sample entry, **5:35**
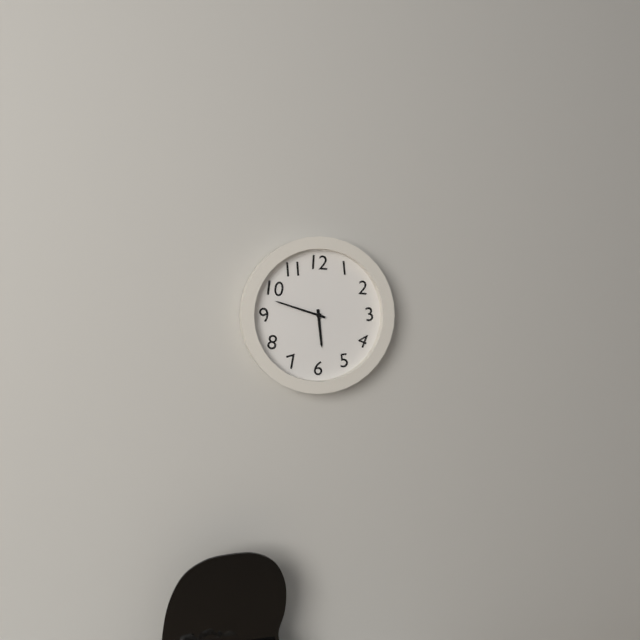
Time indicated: **5:48**
